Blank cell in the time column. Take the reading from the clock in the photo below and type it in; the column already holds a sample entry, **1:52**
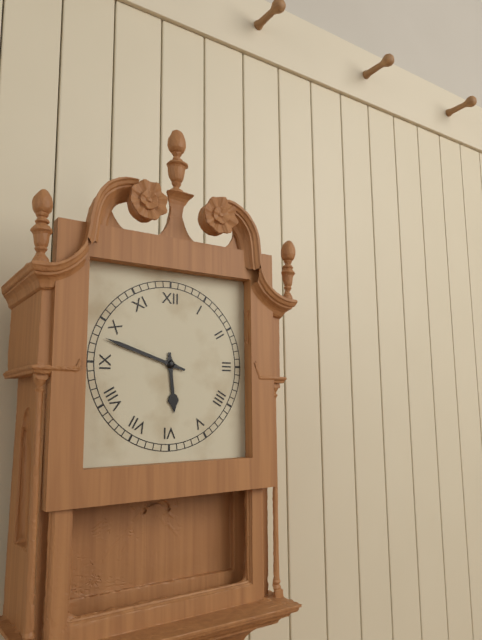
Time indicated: **5:48**
